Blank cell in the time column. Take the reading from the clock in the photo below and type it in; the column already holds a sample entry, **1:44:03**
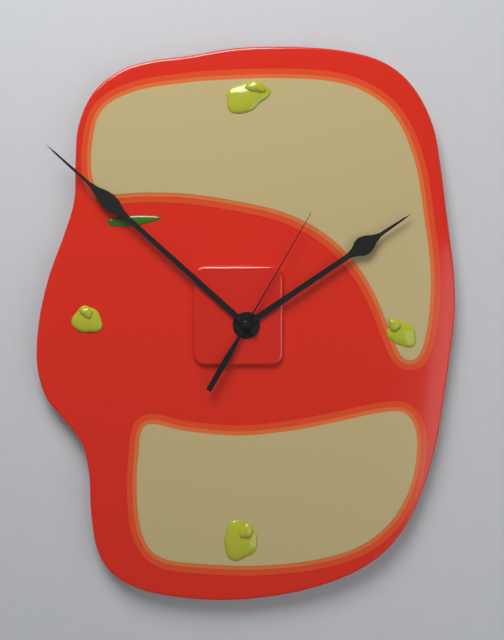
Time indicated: **1:52:05**
